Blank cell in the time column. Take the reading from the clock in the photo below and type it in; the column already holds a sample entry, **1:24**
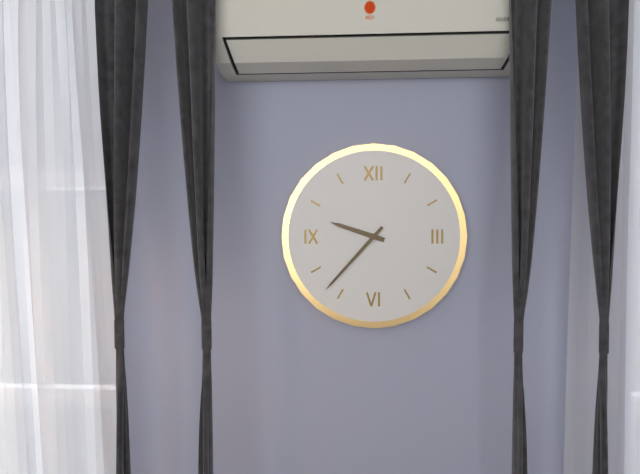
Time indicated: **9:37**
